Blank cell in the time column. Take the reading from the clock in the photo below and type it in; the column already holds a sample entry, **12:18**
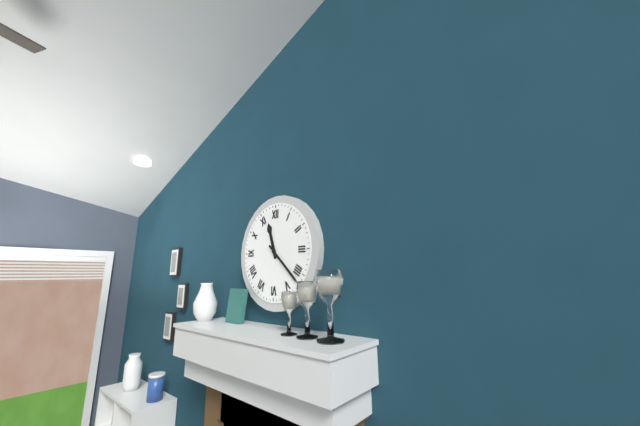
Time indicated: **11:22**
